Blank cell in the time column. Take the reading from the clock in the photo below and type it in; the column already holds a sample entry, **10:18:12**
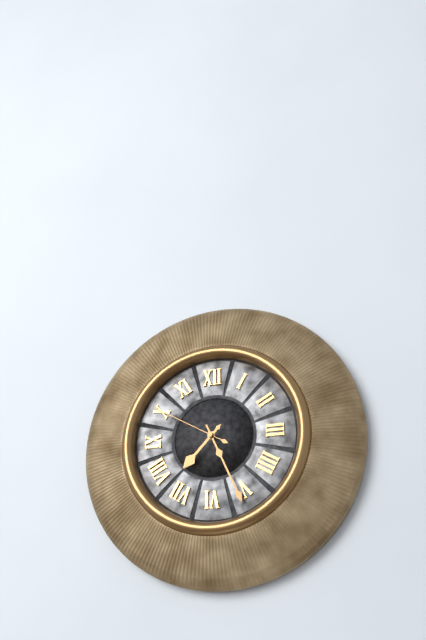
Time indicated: **7:26:50**
